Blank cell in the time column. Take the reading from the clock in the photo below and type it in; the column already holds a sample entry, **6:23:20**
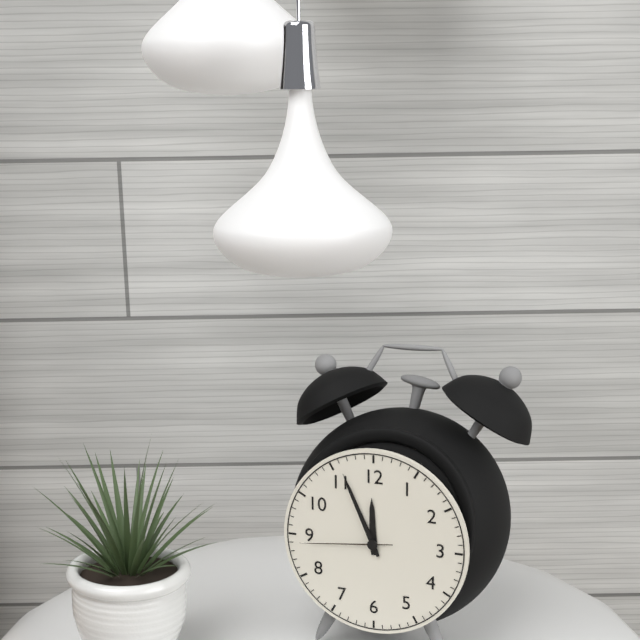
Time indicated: **11:56:44**
